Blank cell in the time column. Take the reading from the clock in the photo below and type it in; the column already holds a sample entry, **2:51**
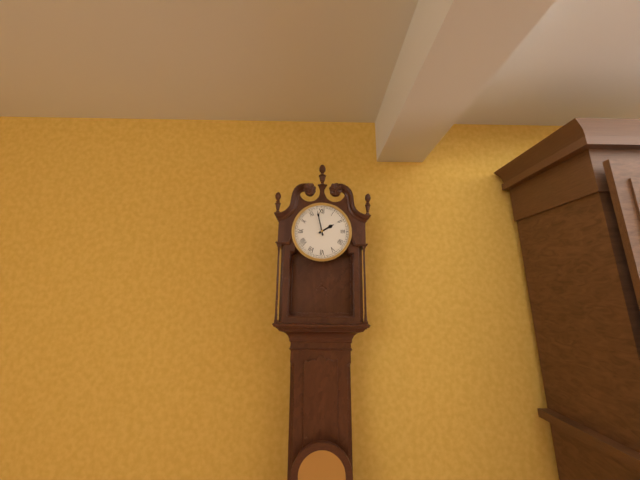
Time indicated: **1:58**
